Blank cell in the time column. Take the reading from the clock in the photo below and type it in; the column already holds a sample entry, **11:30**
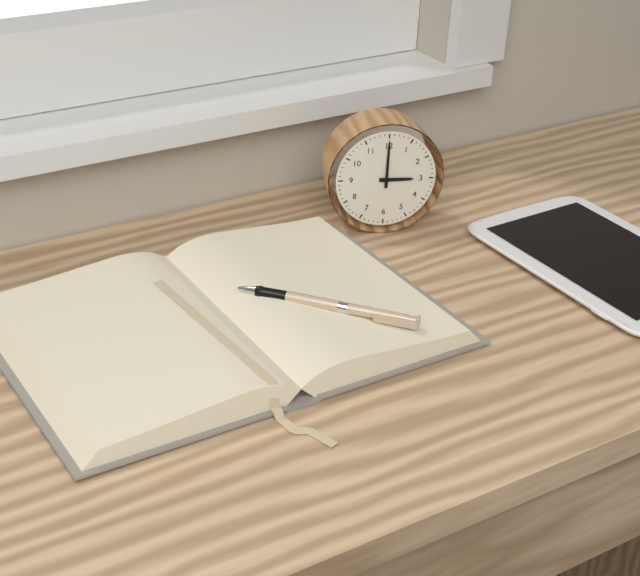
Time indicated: **3:00**
